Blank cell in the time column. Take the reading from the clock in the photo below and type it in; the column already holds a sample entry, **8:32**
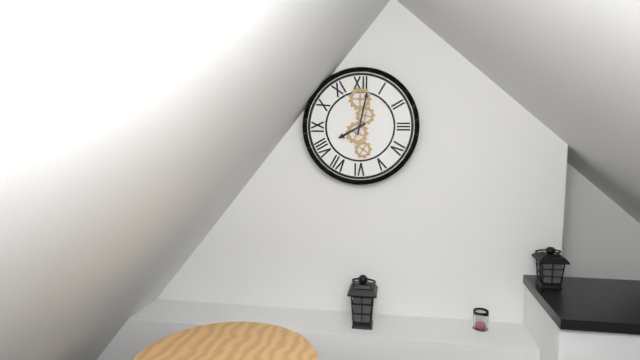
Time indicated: **8:02**
